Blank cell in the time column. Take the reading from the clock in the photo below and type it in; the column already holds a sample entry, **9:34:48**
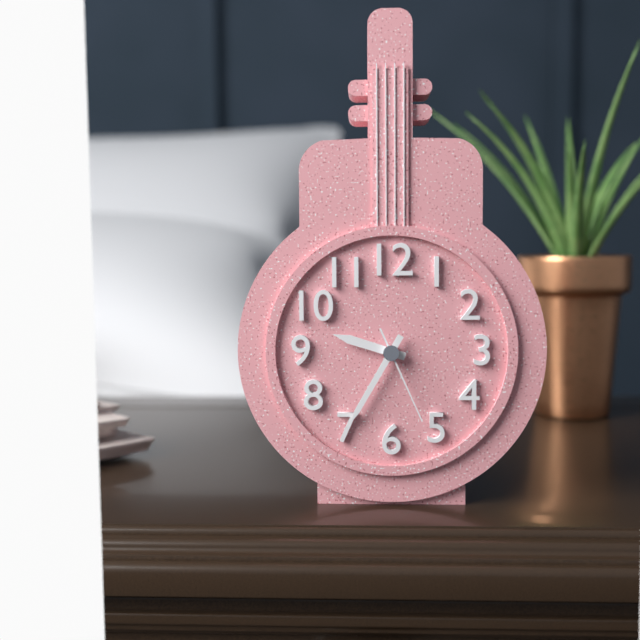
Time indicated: **9:35:26**
